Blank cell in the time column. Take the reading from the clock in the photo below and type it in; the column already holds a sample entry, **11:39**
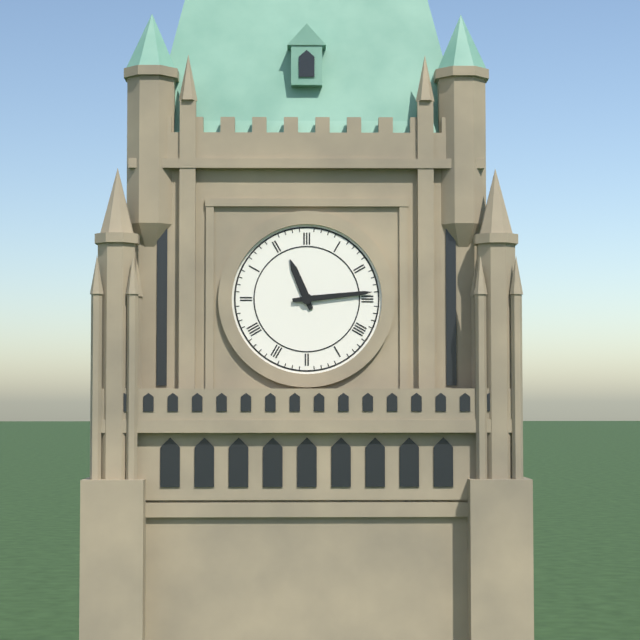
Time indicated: **11:14**
